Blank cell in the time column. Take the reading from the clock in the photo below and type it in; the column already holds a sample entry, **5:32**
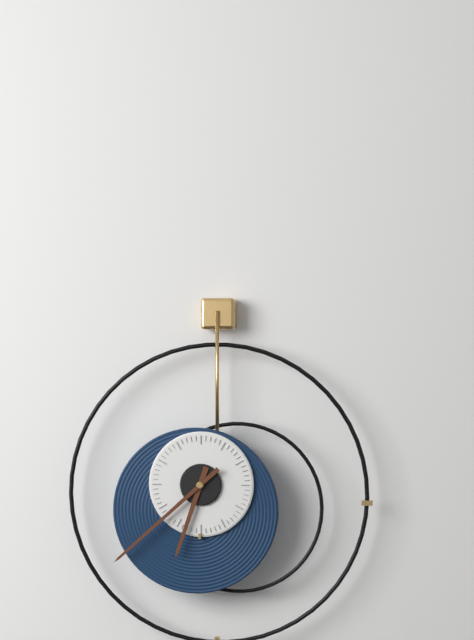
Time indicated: **6:38**
